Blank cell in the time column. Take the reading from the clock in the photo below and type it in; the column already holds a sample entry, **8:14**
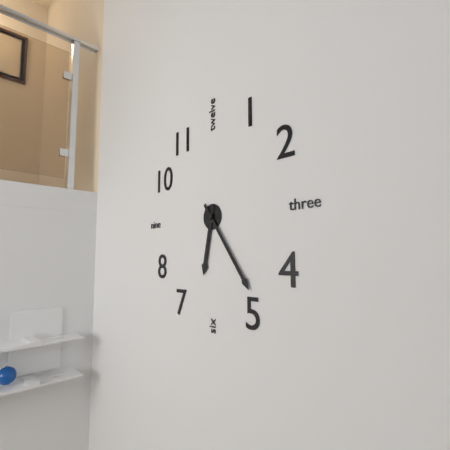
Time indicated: **6:24**
